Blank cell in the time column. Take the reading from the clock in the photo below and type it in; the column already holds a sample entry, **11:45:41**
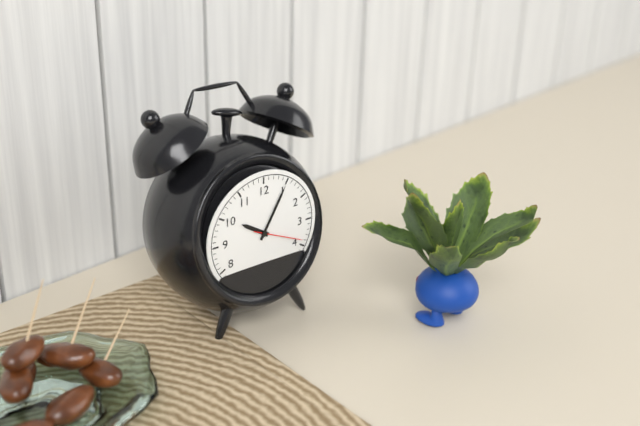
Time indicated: **10:05:19**
